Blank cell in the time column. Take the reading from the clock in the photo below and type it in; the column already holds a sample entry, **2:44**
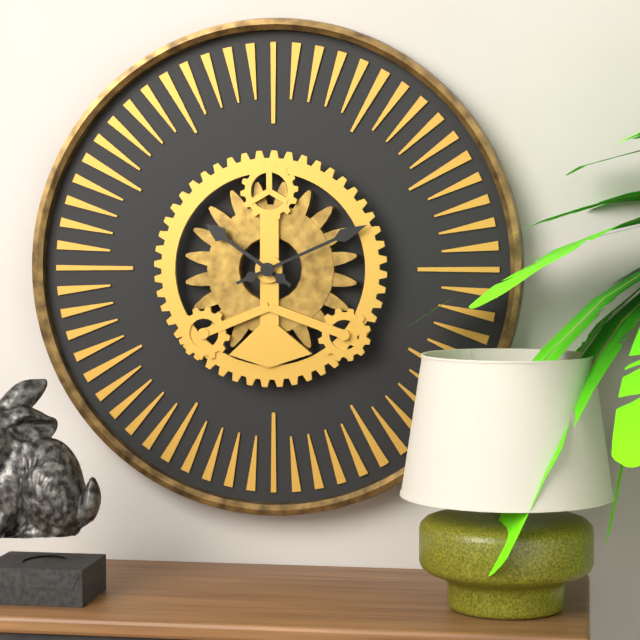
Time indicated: **10:11**
